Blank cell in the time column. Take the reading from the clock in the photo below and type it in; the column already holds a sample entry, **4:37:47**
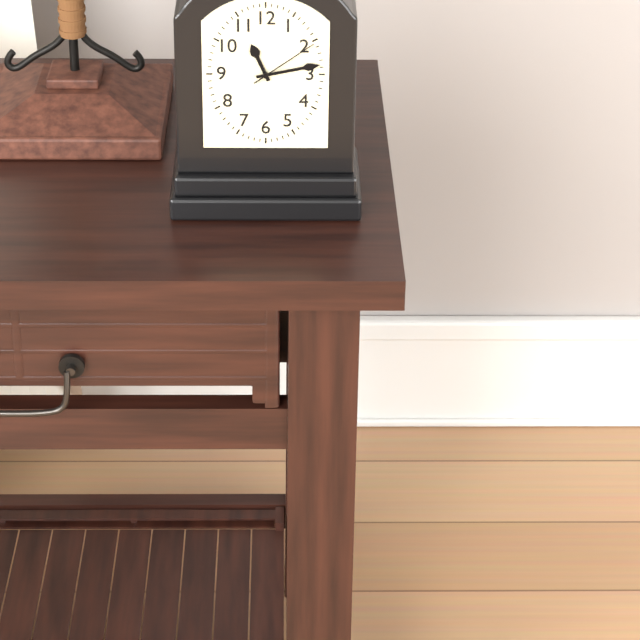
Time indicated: **11:13:09**
